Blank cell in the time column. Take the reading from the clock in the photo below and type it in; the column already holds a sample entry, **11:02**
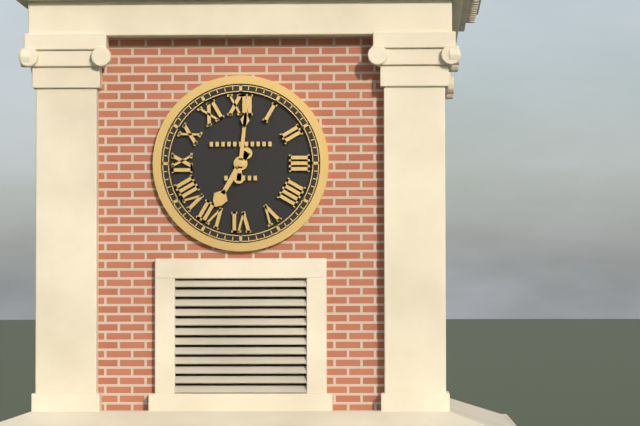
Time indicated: **7:01**
